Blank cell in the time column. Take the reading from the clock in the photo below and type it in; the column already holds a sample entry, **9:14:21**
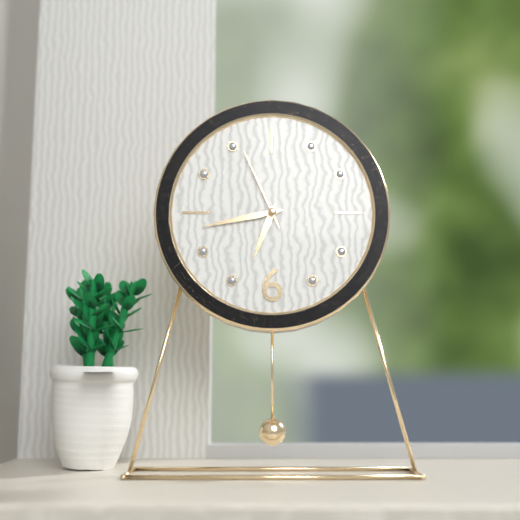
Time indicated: **6:43:56**
